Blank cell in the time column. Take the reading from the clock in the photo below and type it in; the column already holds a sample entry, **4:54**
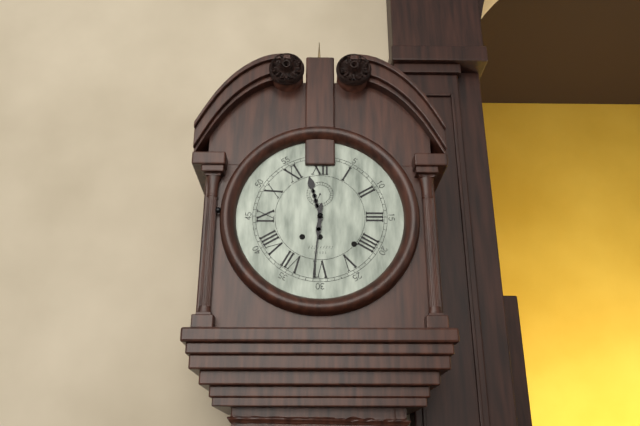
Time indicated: **11:31**
